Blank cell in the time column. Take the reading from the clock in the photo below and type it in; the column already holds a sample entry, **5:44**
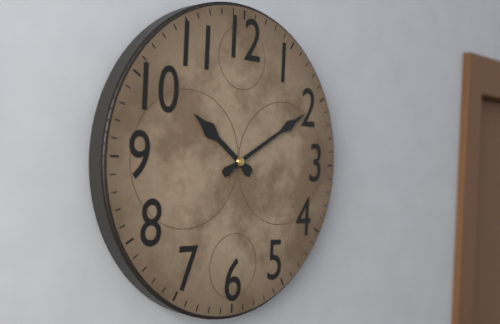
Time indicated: **10:10**
